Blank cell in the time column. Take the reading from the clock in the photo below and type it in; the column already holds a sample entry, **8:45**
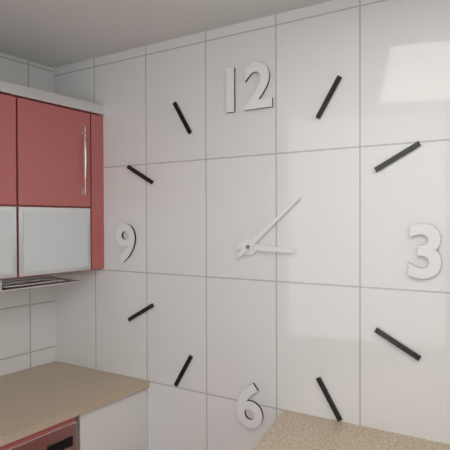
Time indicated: **3:08**
